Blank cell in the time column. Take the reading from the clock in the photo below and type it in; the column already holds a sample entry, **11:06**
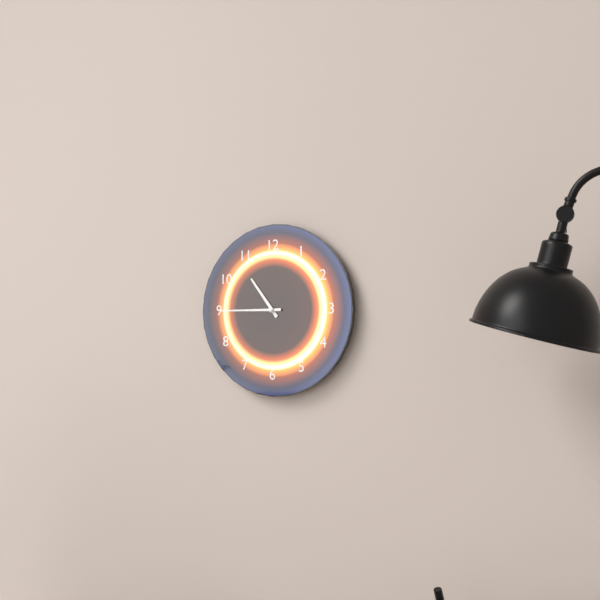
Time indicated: **10:45**
